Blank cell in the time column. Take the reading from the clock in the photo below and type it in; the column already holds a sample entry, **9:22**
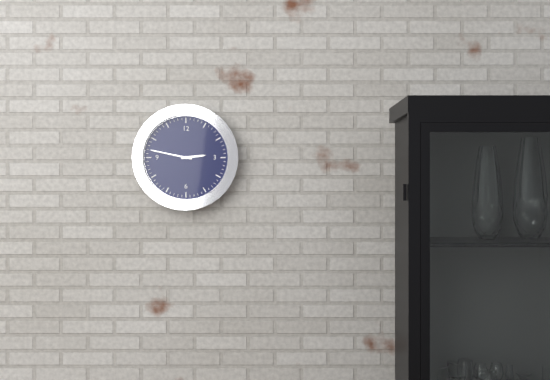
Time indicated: **2:47**
